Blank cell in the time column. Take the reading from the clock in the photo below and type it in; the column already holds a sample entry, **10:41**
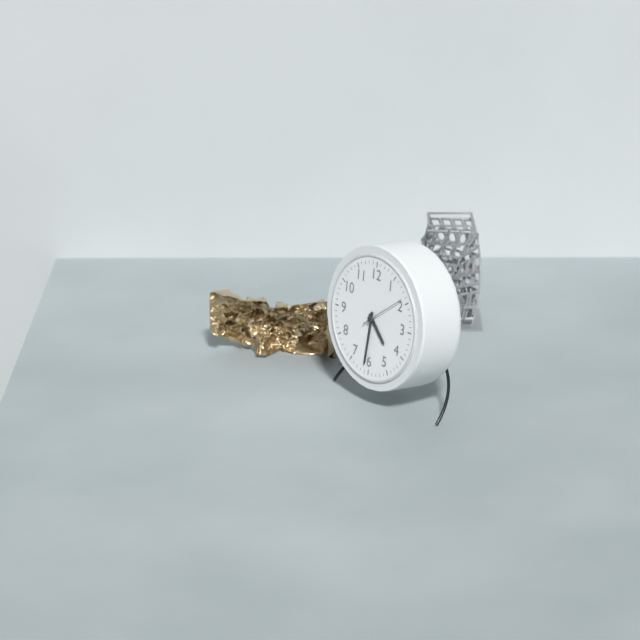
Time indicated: **4:31**
